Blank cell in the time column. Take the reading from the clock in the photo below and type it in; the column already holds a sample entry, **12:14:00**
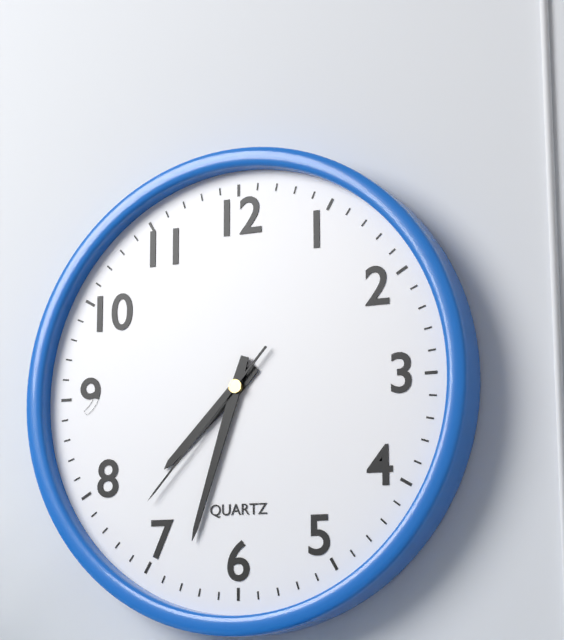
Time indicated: **7:33:37**
